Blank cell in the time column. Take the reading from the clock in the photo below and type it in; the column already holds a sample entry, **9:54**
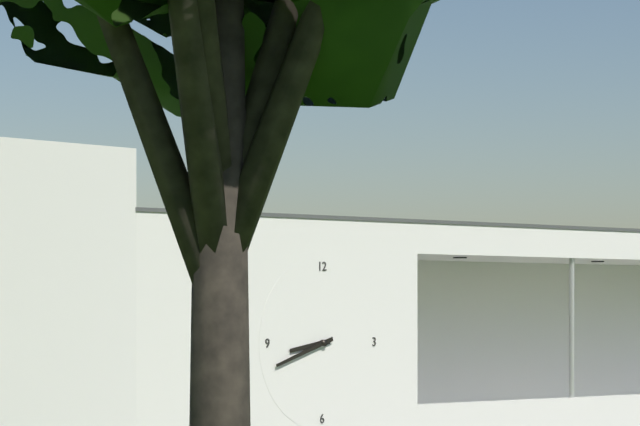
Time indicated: **8:42**
